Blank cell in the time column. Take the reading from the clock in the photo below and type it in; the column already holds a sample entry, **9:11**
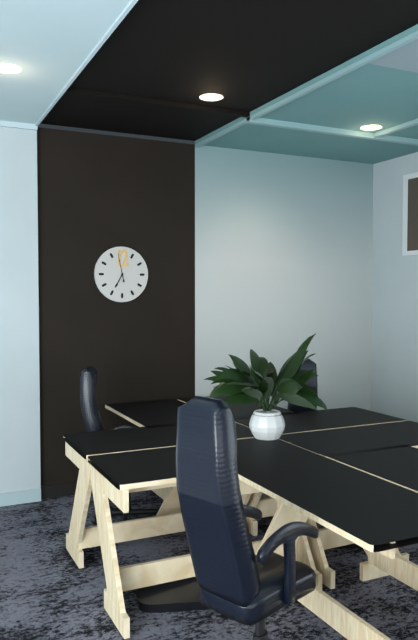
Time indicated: **6:58**
